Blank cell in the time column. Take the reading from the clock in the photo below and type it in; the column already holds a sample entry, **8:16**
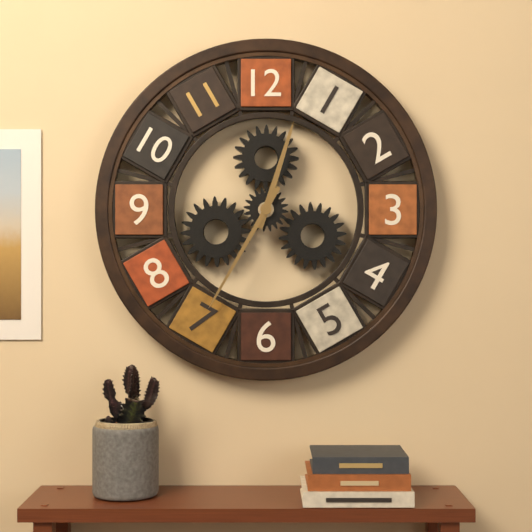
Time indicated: **12:35**
